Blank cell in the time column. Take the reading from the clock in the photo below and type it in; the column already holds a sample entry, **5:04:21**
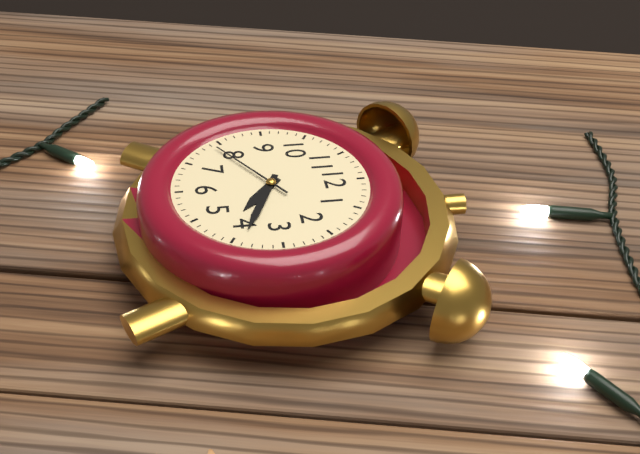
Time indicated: **4:19:39**
